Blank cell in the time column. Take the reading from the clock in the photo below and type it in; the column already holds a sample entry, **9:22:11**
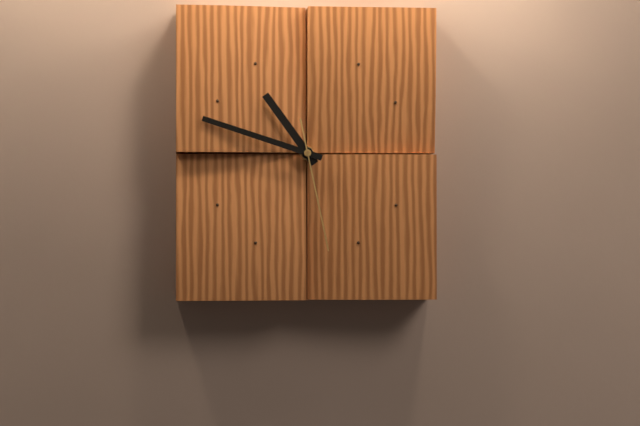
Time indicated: **10:48:28**
